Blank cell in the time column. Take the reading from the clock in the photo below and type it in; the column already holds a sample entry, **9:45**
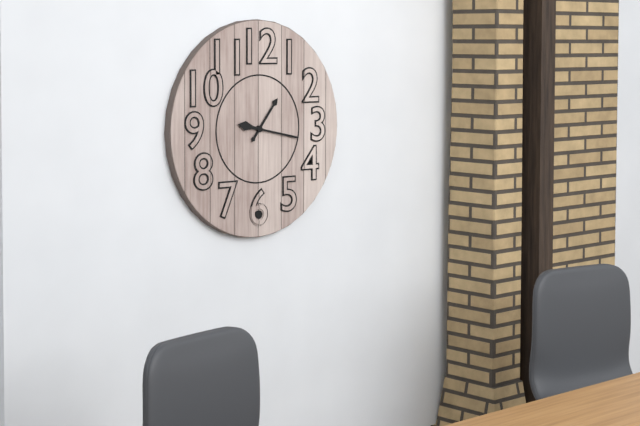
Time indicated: **1:17**
